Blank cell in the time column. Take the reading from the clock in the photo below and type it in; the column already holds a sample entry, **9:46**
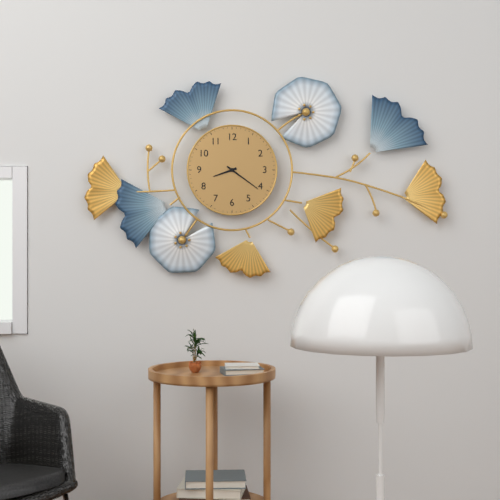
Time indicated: **8:21**
